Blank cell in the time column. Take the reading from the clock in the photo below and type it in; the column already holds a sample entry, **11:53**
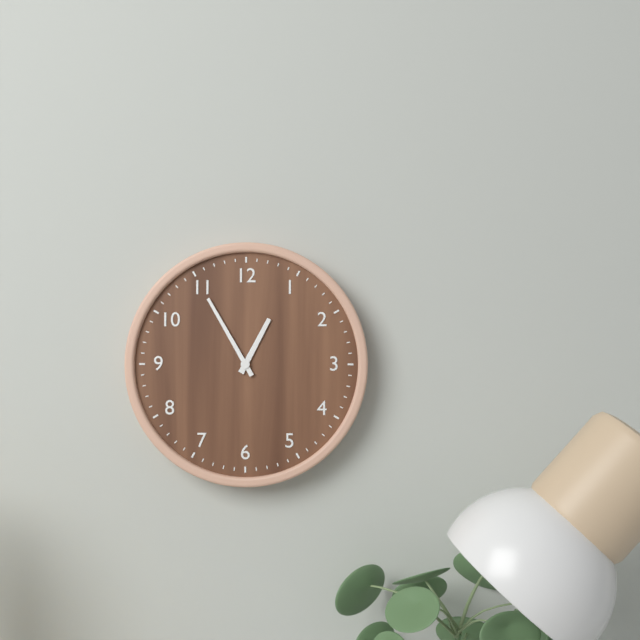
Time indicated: **12:55**
